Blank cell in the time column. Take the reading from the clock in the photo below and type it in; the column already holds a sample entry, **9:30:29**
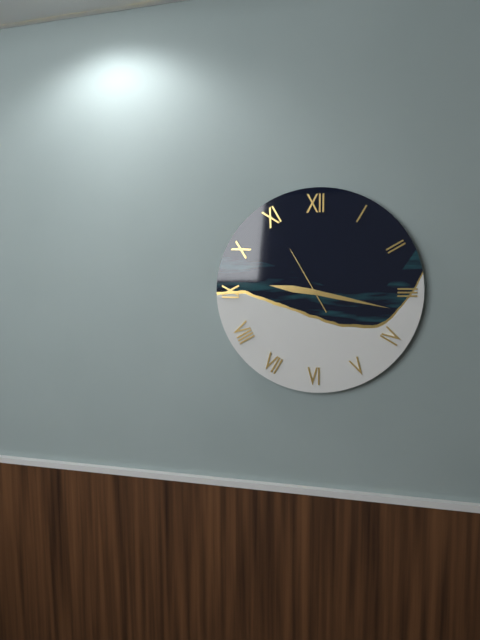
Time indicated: **9:17:55**
